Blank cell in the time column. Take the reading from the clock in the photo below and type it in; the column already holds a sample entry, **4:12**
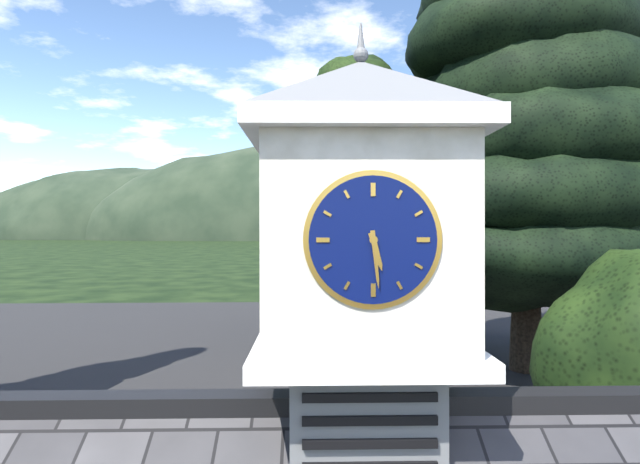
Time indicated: **5:29**
